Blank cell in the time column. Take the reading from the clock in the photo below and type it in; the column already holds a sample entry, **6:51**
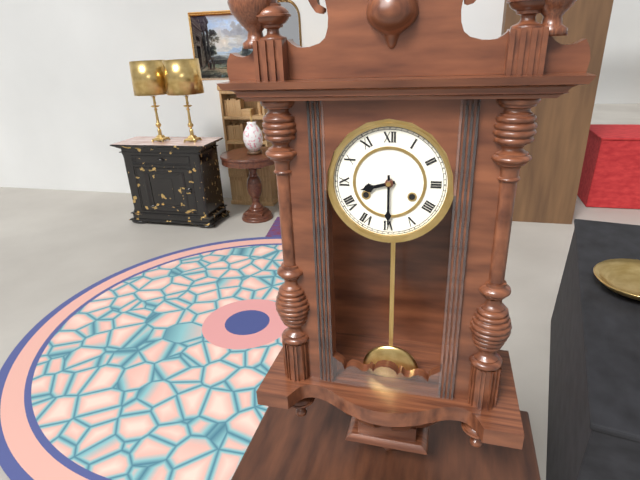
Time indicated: **8:30**
